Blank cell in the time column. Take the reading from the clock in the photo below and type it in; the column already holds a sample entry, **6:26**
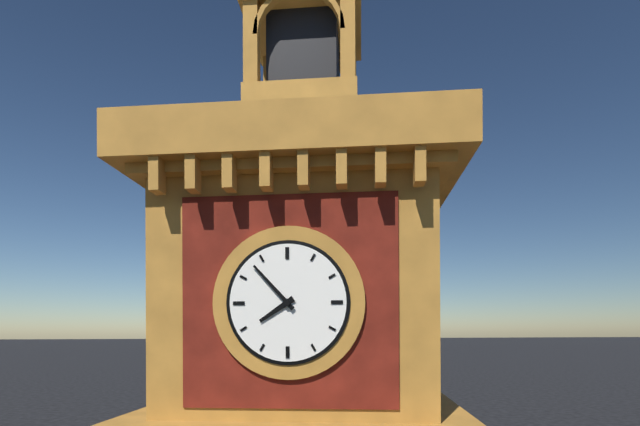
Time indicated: **7:53**
